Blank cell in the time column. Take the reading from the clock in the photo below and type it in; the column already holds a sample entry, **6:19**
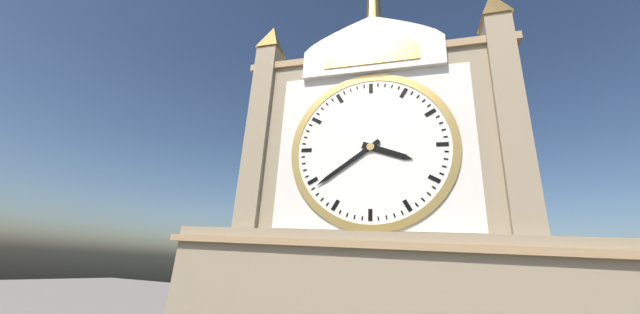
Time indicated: **3:39**
